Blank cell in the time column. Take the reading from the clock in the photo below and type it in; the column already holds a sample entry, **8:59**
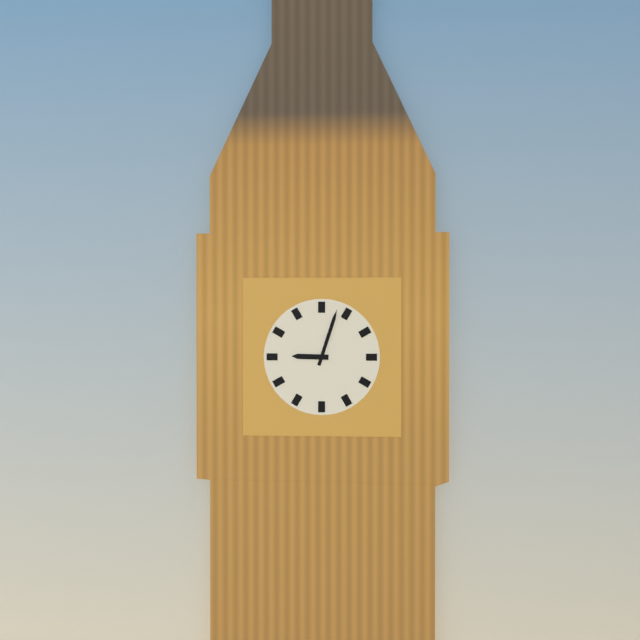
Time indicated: **9:03**
